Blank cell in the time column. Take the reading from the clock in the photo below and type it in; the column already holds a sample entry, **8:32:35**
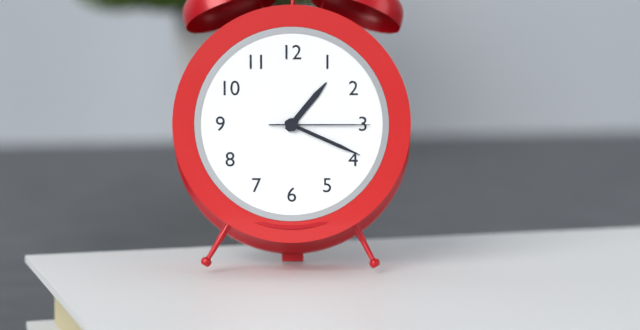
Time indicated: **1:19:15**
